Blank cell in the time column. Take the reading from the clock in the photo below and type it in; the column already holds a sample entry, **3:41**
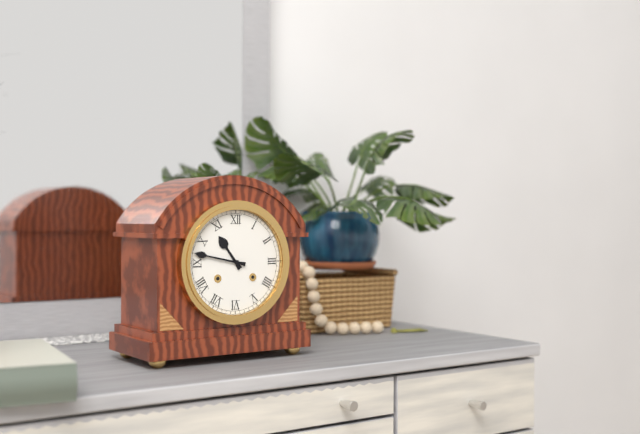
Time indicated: **10:47**
